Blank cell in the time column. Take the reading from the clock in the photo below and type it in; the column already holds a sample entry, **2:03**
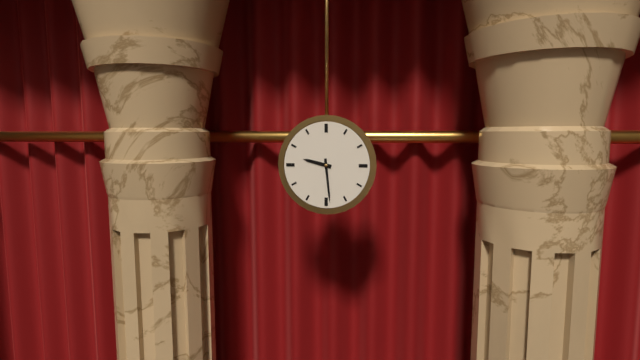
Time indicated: **9:29**
